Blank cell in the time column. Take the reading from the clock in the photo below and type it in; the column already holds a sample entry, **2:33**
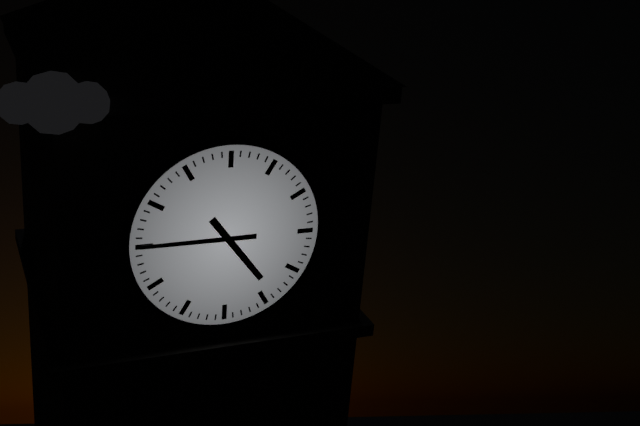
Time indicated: **4:45**
